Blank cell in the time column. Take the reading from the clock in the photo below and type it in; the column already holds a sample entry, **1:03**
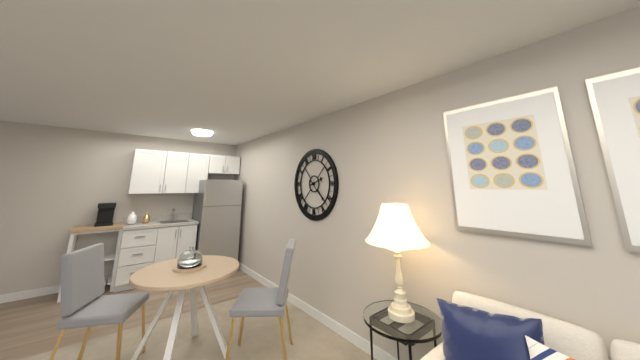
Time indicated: **2:22**
